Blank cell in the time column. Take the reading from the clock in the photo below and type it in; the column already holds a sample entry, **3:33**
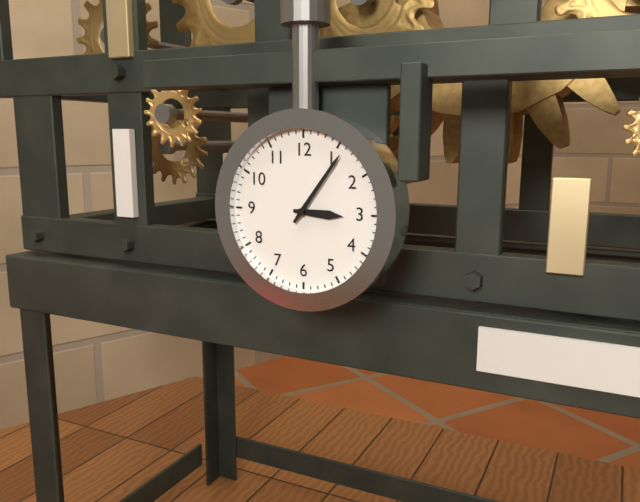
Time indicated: **3:06**
